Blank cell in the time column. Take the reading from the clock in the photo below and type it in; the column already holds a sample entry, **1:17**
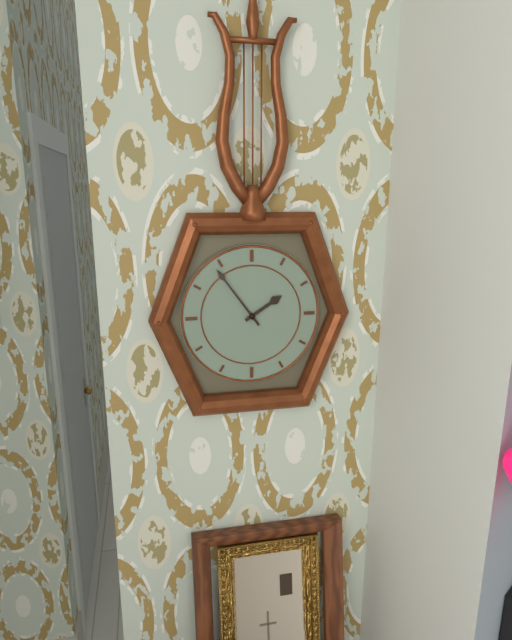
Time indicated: **1:54**
